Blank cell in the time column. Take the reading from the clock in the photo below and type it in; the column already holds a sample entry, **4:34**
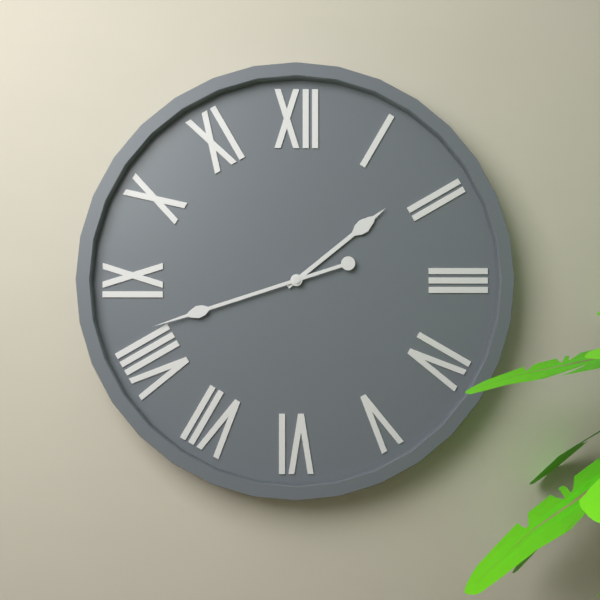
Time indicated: **1:42**
